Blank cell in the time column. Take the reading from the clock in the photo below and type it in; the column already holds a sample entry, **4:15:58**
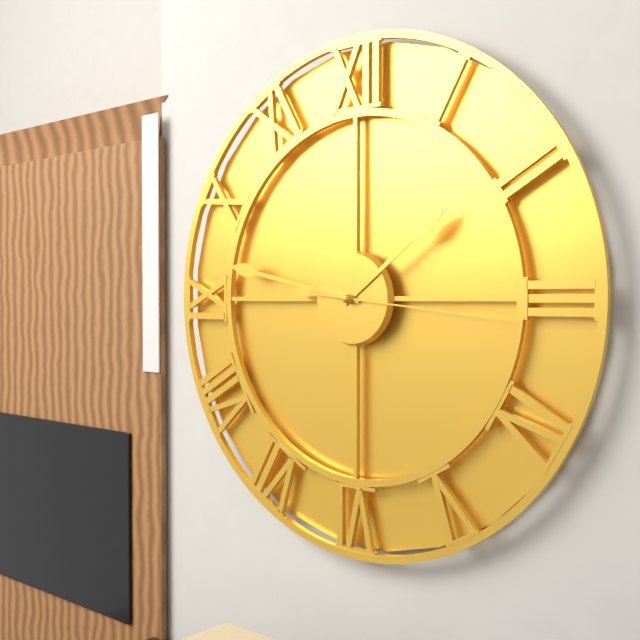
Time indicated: **1:47:16**
